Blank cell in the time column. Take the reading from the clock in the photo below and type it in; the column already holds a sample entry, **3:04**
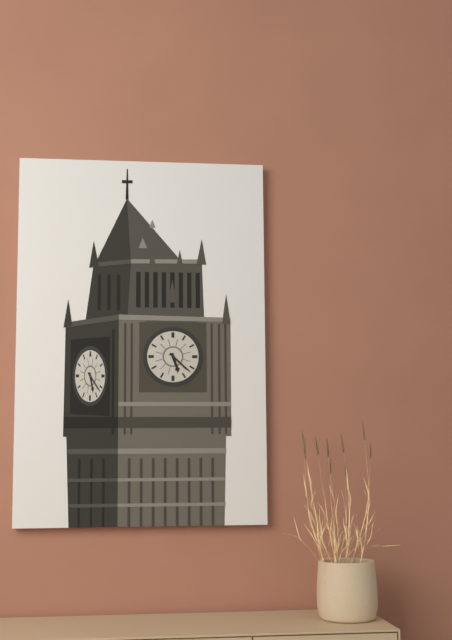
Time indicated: **5:22**
